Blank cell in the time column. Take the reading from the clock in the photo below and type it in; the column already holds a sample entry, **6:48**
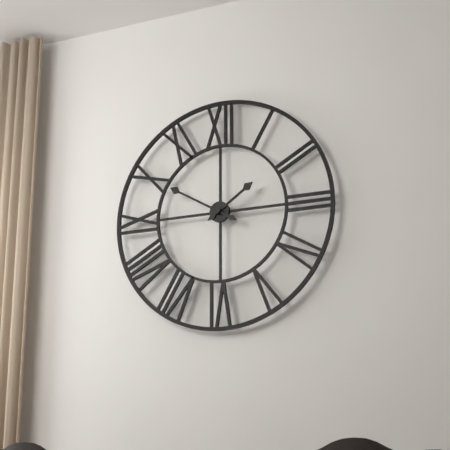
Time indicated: **1:50**
